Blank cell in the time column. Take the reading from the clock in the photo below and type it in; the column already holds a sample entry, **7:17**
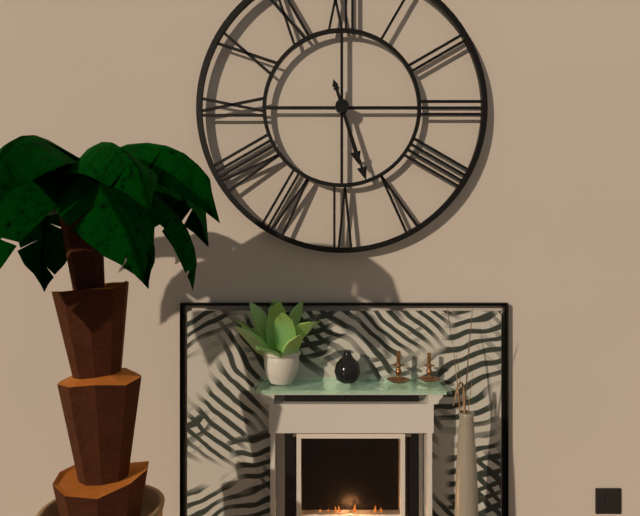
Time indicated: **5:27**
